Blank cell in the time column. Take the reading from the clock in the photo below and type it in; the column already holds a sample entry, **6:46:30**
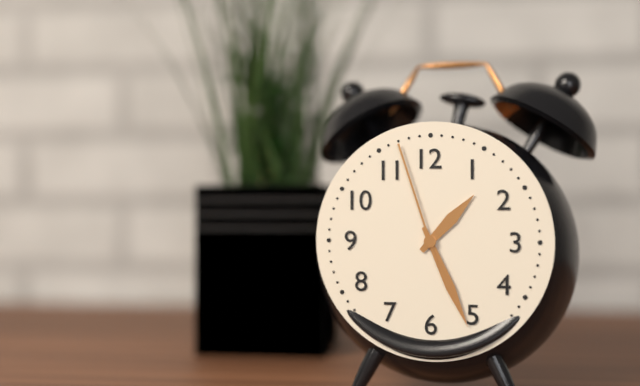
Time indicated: **1:26:57**
